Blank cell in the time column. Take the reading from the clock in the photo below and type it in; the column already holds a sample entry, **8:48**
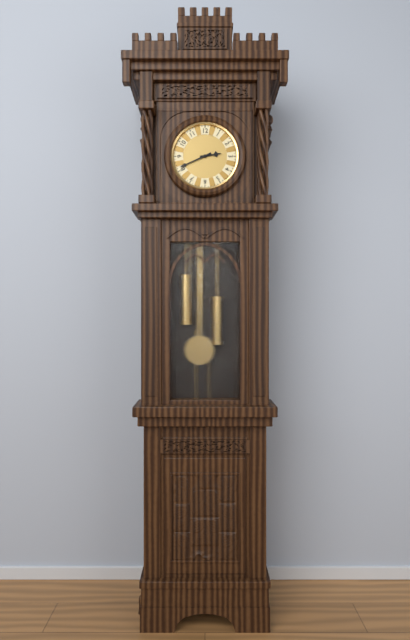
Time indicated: **2:41**
